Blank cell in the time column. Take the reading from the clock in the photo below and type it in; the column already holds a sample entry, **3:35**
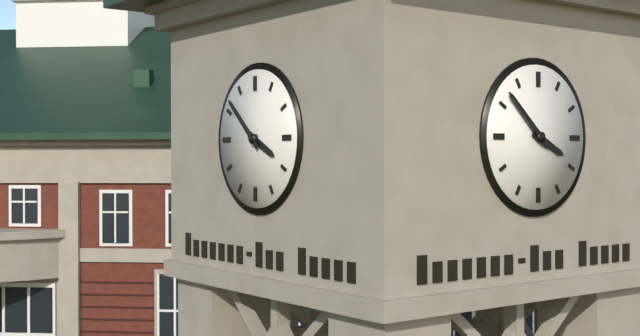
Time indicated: **3:52**
